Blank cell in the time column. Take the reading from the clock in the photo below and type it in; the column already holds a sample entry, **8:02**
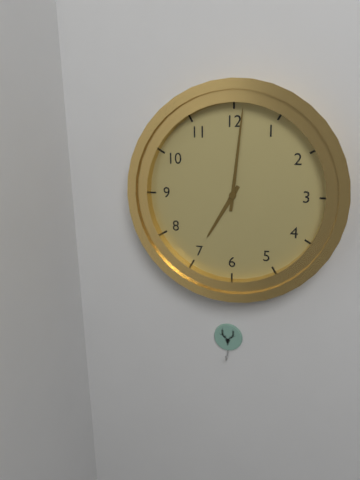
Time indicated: **7:01**
